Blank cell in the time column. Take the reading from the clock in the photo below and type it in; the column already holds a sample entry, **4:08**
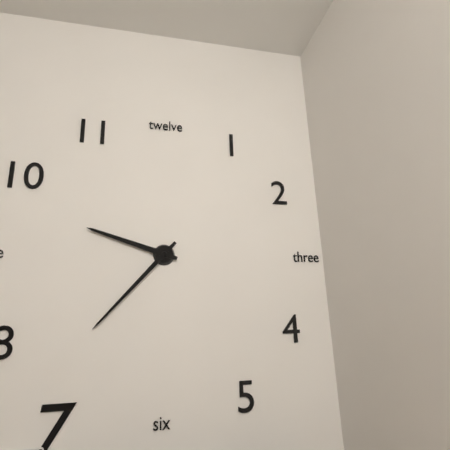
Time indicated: **9:37**
